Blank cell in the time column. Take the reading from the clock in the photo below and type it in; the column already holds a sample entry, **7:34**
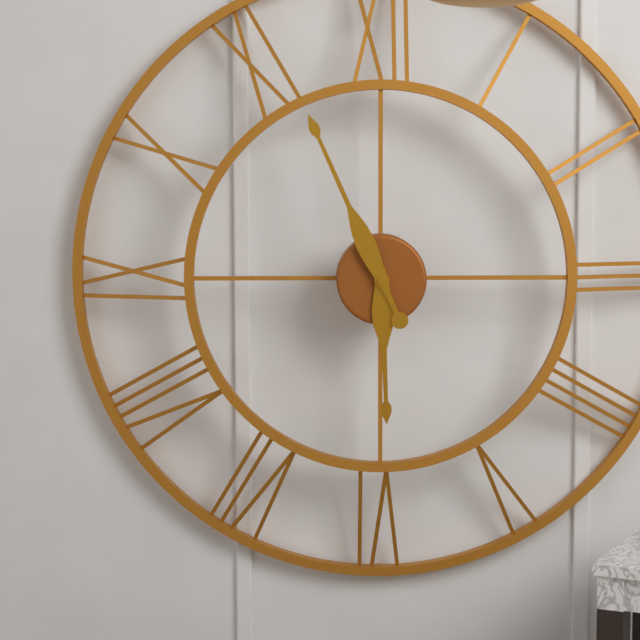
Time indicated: **5:56**
